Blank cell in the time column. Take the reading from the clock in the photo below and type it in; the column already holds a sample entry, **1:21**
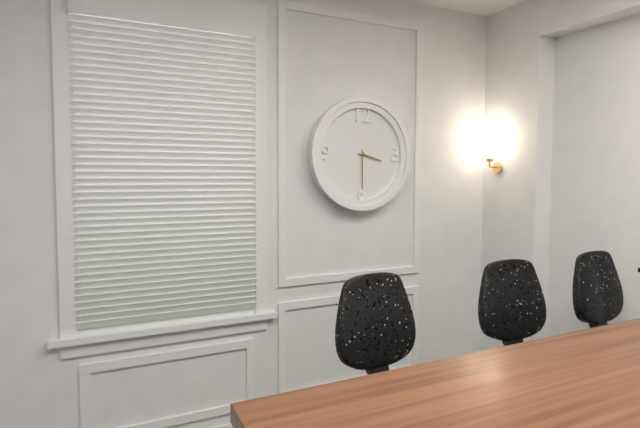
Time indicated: **3:30**
